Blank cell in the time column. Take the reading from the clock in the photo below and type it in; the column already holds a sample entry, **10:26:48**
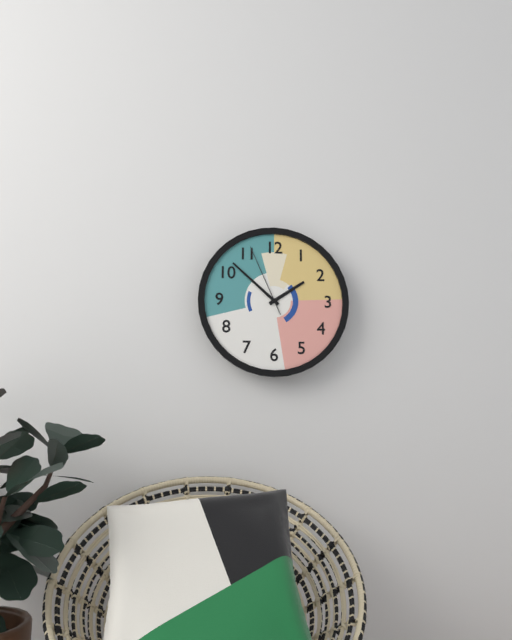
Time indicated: **1:52:56**
